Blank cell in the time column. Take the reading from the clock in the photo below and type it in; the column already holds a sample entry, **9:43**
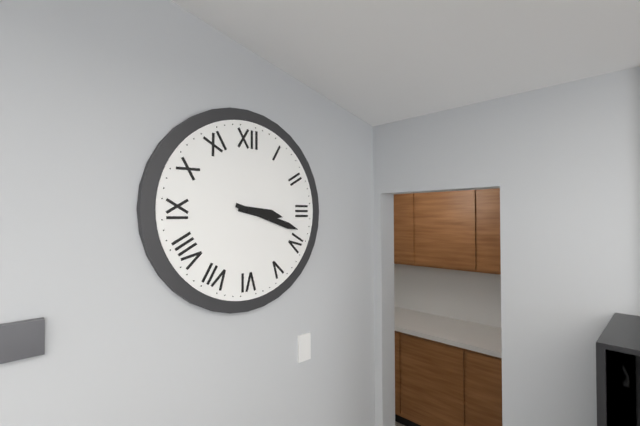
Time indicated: **3:18**
